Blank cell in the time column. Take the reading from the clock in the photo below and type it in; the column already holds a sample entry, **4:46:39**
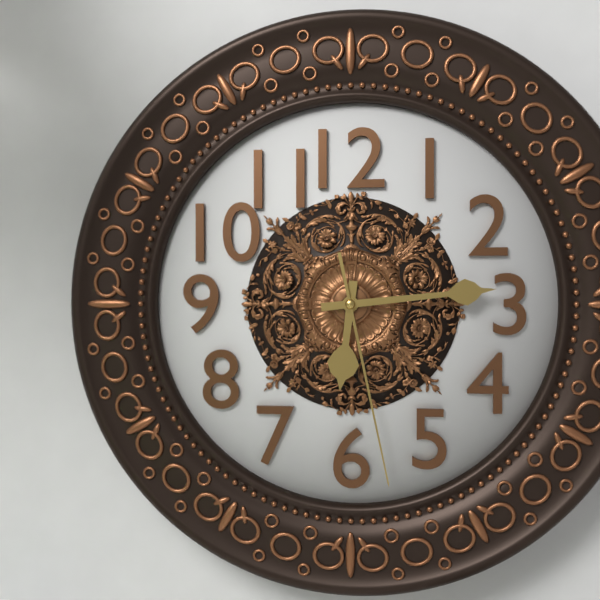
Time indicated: **6:14:28**
